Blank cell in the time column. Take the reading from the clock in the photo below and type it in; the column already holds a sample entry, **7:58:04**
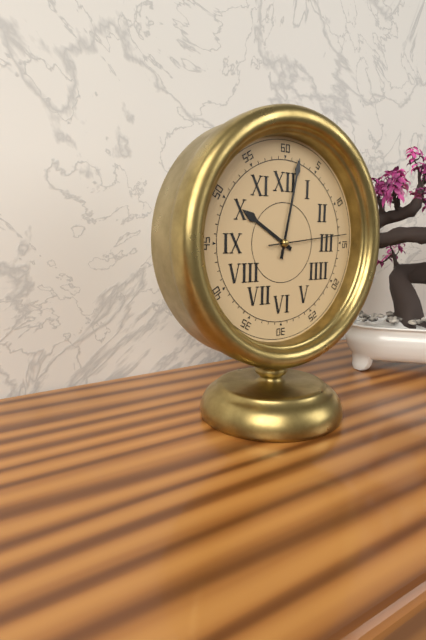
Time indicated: **10:02:14**
